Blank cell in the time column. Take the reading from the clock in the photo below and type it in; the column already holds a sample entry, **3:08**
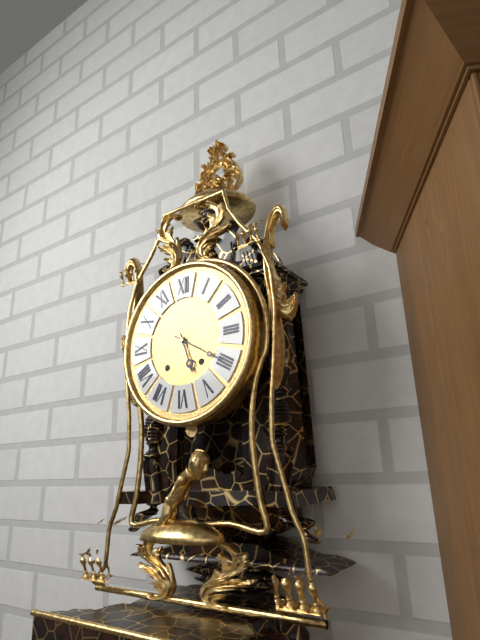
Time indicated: **5:20**
